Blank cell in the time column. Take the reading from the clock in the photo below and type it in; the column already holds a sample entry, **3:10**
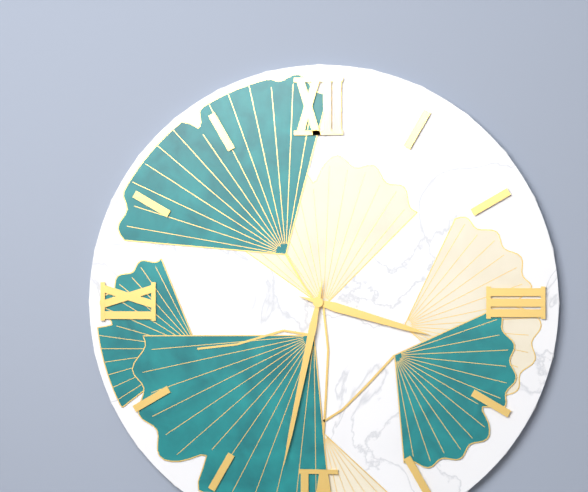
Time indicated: **3:32**
